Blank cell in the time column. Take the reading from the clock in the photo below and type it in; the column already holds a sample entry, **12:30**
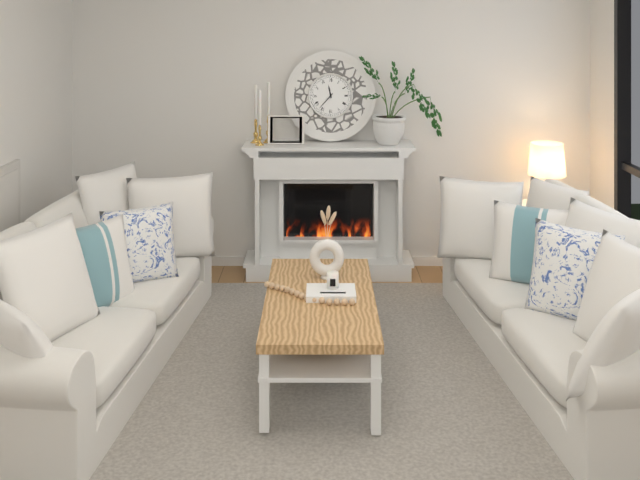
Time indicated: **11:37**
